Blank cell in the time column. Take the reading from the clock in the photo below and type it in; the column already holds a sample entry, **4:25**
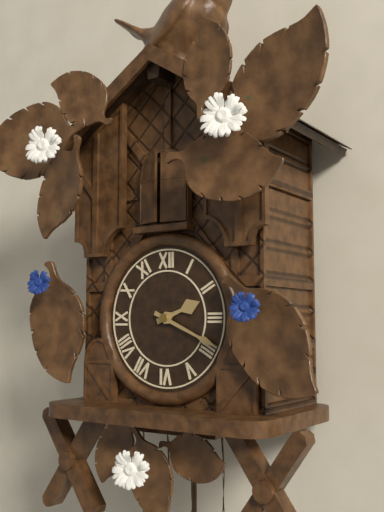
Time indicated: **2:19**
